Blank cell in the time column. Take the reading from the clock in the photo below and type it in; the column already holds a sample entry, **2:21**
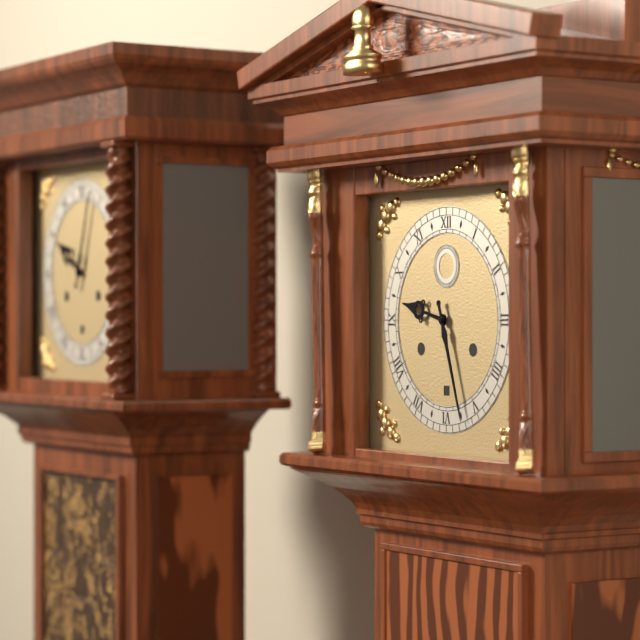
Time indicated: **9:27**
